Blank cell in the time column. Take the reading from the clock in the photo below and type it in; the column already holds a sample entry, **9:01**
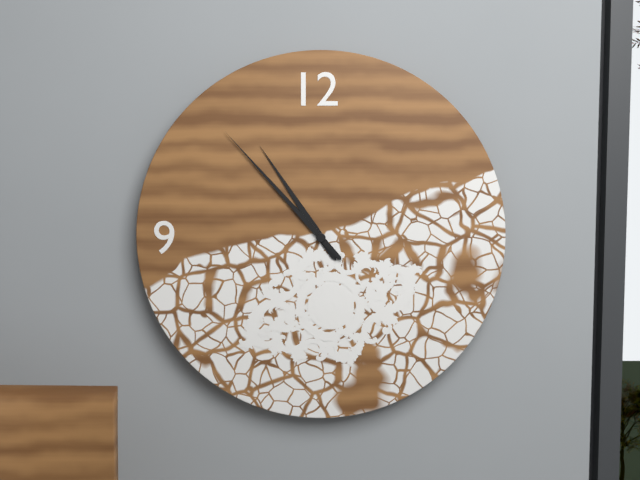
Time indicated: **10:53**
